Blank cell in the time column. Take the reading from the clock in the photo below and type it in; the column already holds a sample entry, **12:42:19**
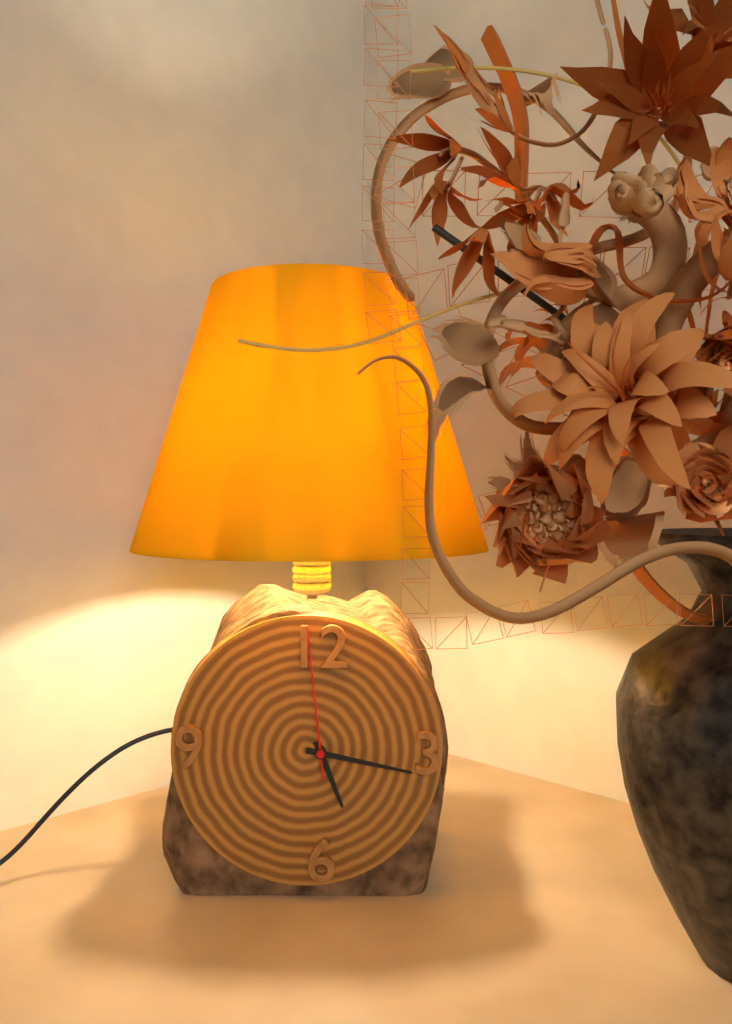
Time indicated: **5:17:59**
